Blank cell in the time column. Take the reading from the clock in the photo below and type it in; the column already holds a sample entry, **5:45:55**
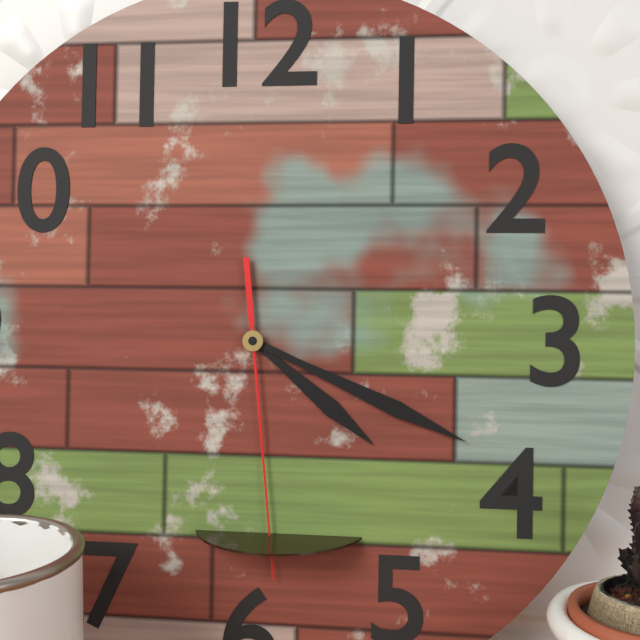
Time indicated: **4:19:29**
